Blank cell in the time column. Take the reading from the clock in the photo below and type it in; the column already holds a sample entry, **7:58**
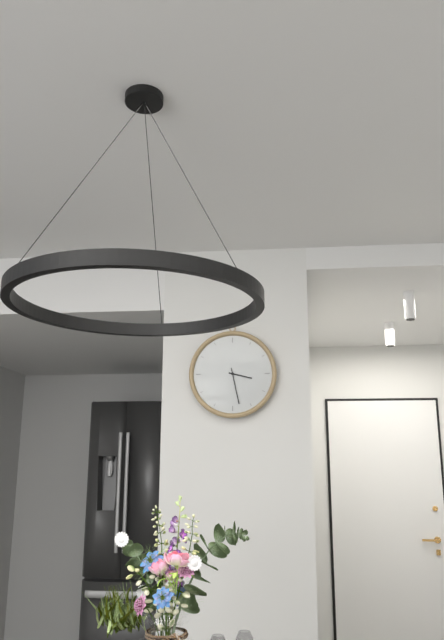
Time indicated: **3:28**
